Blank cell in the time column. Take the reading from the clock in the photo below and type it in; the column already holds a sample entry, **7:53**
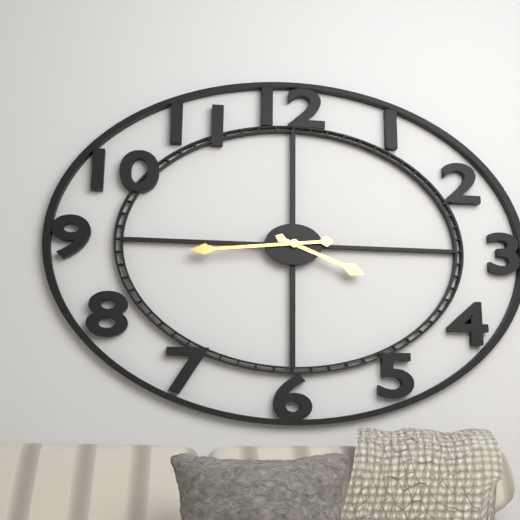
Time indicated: **3:44**
